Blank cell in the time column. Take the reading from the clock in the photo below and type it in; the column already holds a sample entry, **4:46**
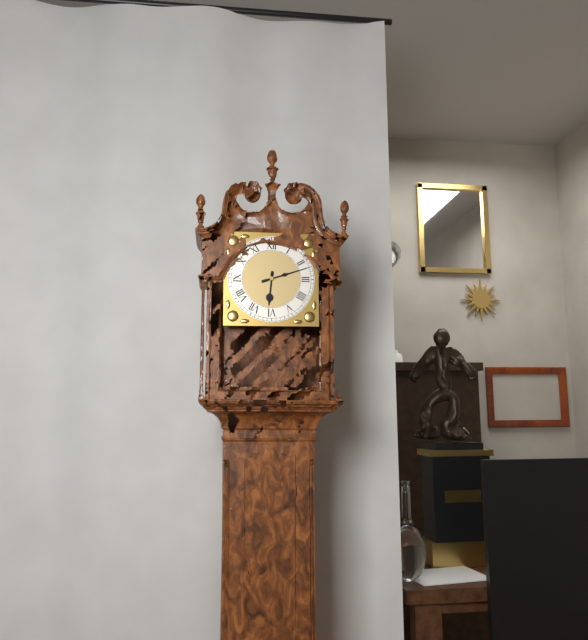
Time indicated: **6:12**
